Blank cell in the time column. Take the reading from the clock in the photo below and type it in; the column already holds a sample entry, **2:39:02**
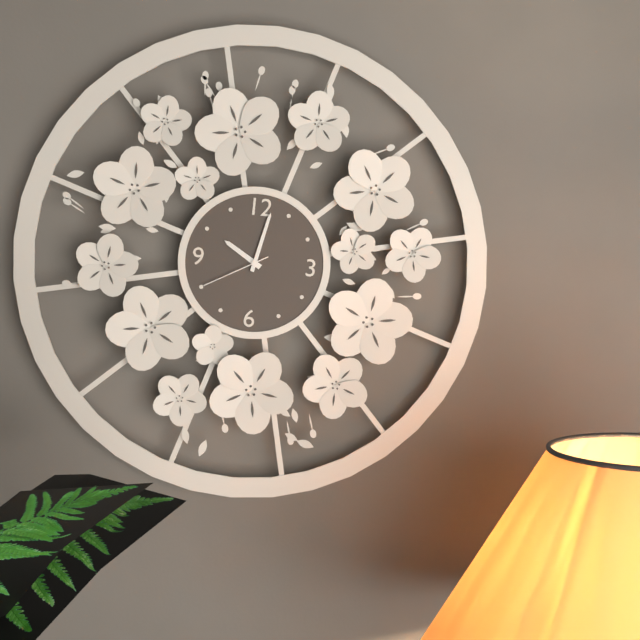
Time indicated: **10:02:40**
